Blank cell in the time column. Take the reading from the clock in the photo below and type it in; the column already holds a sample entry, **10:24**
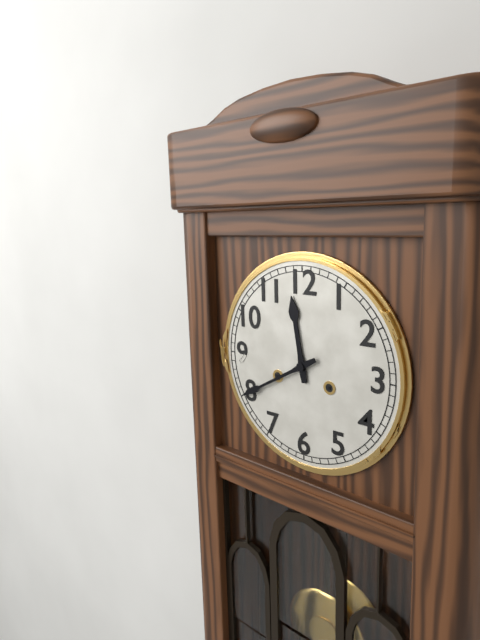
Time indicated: **11:40**
